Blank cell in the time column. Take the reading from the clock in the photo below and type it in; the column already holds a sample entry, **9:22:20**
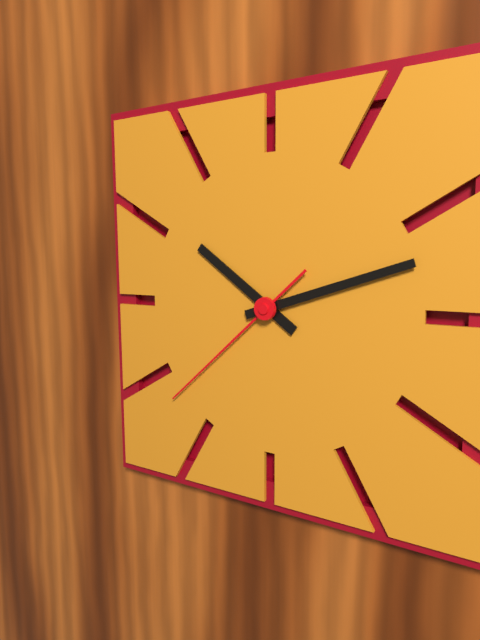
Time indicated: **10:12:38**
